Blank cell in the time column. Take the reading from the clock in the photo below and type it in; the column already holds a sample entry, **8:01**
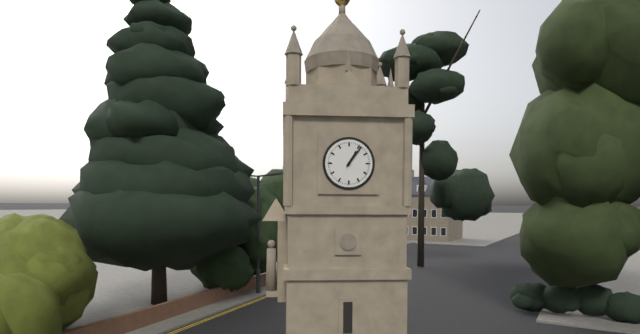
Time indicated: **1:06**
